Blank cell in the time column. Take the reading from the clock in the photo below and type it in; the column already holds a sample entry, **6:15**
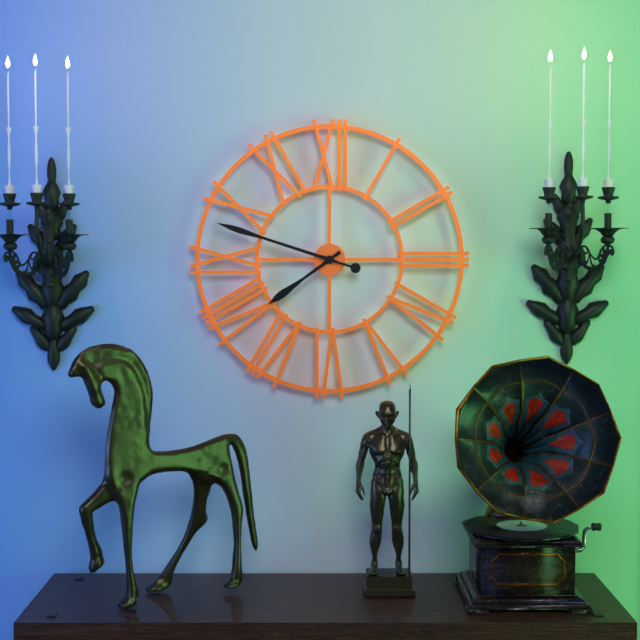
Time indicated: **7:48**
